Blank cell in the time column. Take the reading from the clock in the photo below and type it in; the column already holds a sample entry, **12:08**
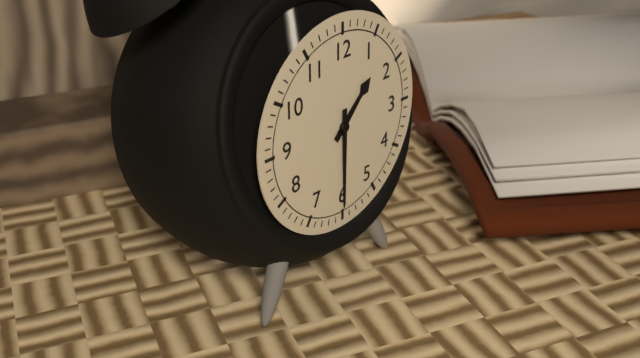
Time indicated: **1:30**
